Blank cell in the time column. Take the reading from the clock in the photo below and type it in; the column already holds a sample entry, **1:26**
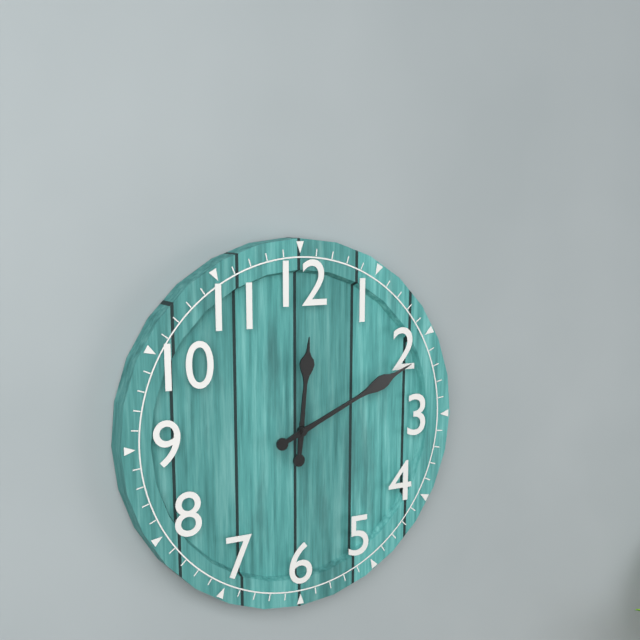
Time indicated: **12:11**
